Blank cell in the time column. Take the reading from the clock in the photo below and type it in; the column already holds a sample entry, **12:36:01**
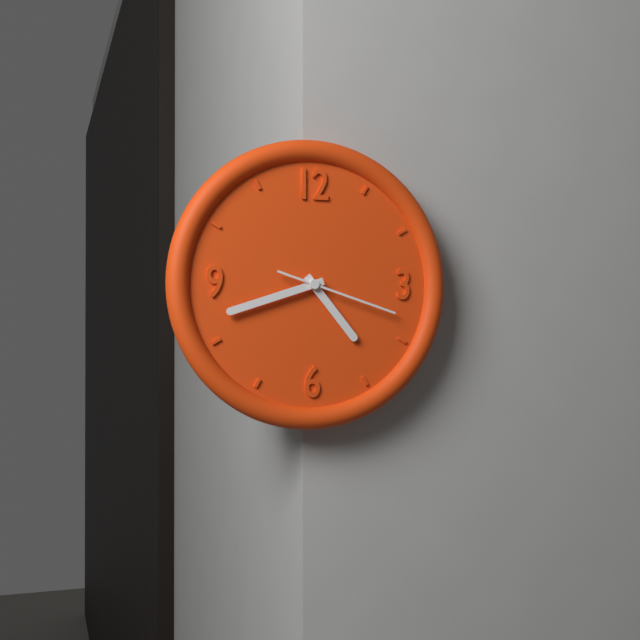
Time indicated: **4:42:18**
